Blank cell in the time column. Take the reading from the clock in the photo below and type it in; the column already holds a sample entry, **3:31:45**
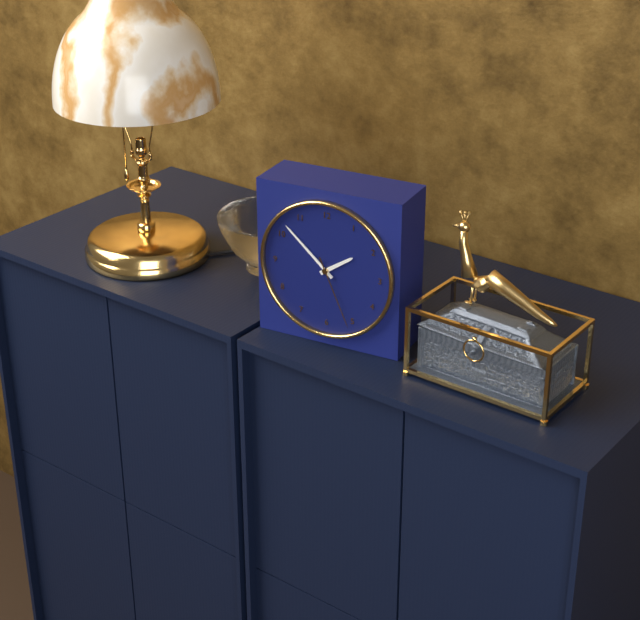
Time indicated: **1:52:26**
